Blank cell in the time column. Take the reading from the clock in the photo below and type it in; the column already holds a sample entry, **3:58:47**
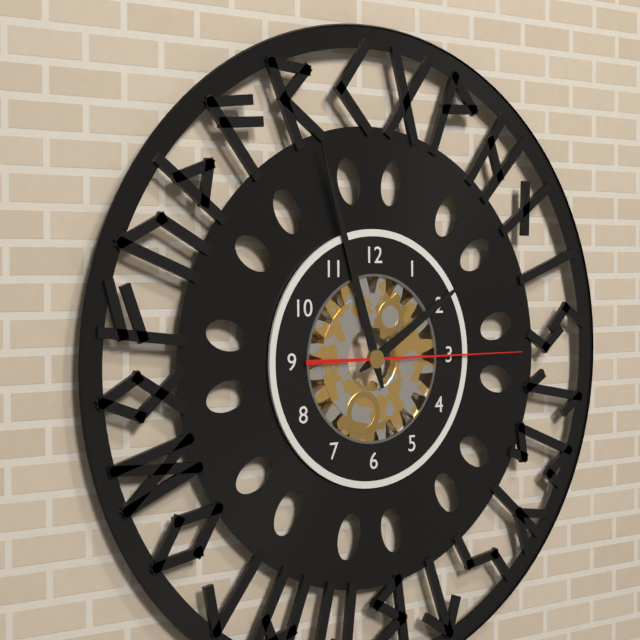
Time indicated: **1:57:15**
